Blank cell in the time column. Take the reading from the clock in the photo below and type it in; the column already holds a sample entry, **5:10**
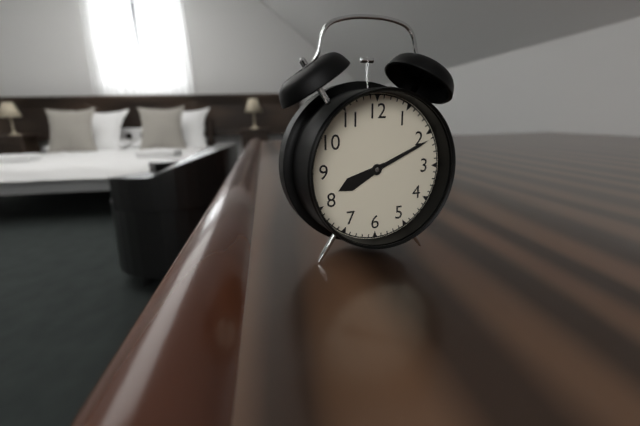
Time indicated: **8:11**
